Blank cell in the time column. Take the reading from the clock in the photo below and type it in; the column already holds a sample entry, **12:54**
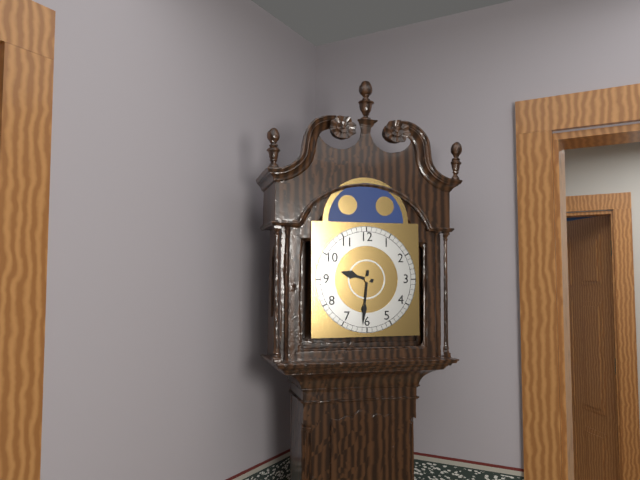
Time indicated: **9:31**
